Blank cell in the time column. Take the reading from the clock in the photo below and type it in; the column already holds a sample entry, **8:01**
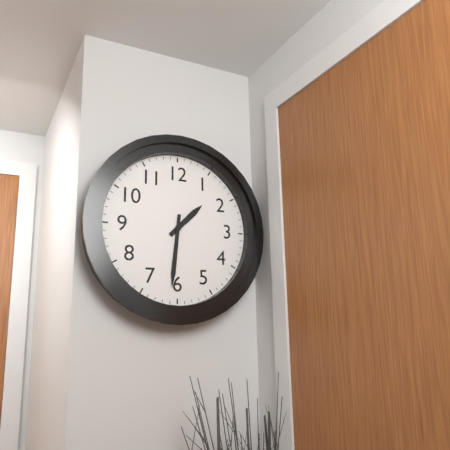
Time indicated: **1:31**
